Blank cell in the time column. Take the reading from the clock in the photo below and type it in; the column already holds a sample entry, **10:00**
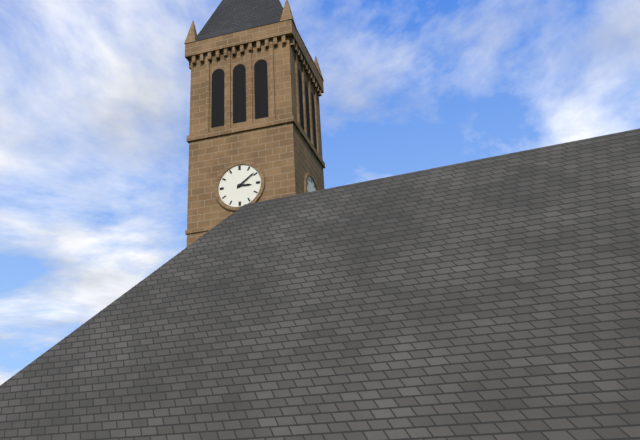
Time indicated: **3:09**
